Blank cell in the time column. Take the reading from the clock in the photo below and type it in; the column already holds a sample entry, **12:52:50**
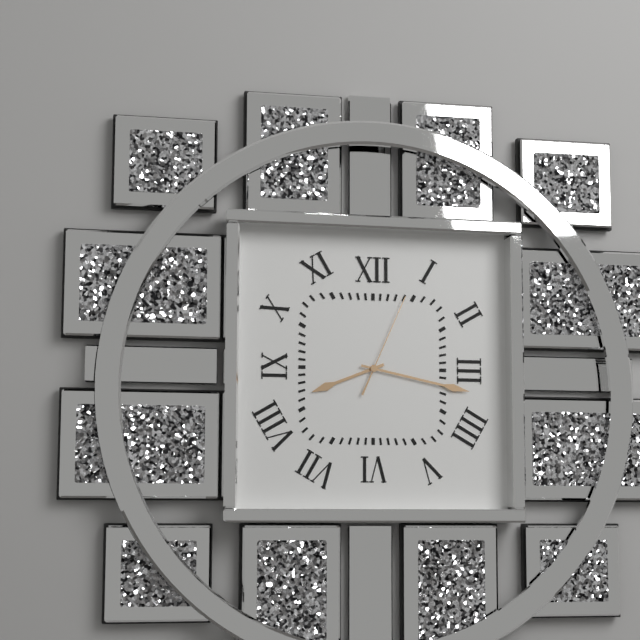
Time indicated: **8:17:04**
